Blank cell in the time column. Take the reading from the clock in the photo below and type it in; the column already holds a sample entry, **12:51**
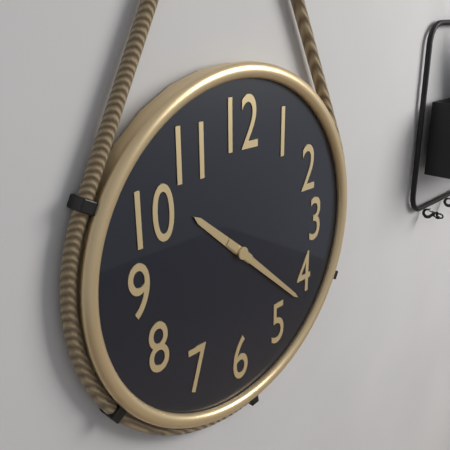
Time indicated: **10:22**
